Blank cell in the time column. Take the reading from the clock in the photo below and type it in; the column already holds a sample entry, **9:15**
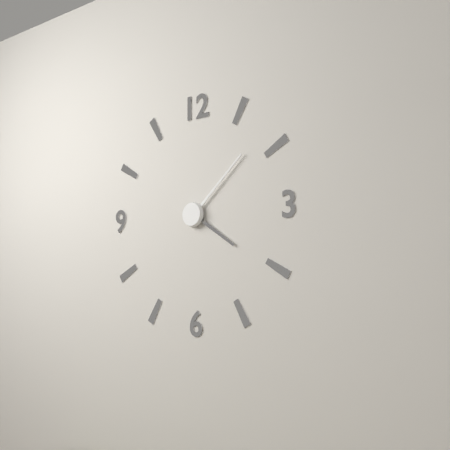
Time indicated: **4:08**
